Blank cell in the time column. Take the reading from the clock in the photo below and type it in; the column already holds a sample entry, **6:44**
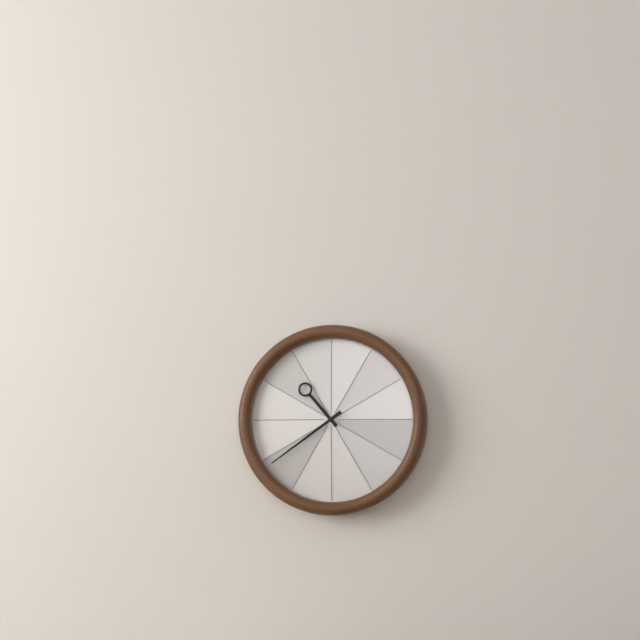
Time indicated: **10:39**
